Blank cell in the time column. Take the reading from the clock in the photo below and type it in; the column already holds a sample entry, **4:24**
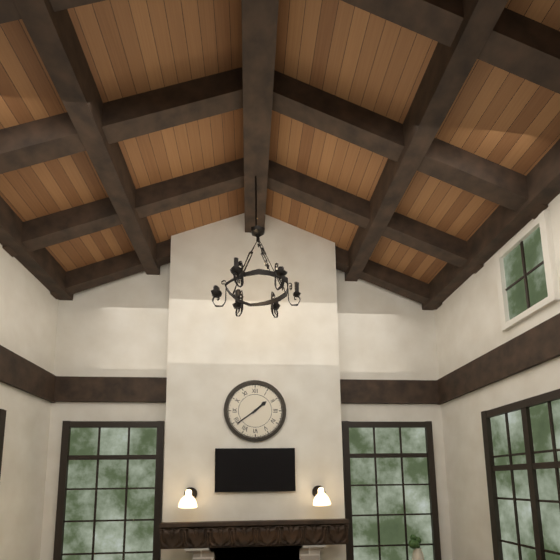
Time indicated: **1:39**
